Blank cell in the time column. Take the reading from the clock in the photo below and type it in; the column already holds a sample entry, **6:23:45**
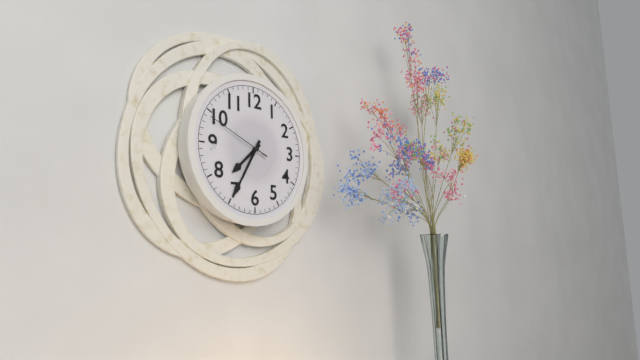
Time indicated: **7:35:49**
